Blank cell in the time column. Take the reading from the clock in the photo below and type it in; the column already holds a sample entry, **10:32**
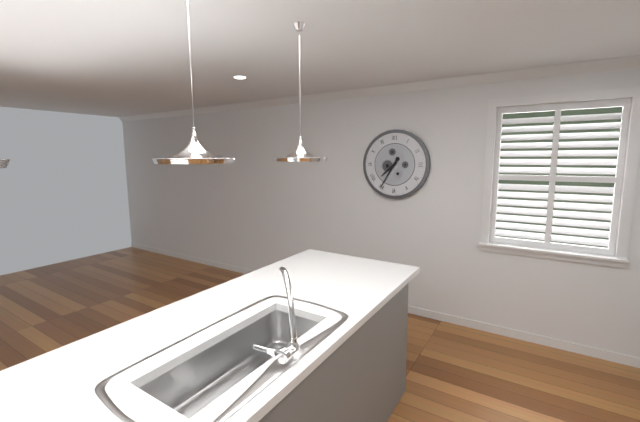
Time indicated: **7:35**
